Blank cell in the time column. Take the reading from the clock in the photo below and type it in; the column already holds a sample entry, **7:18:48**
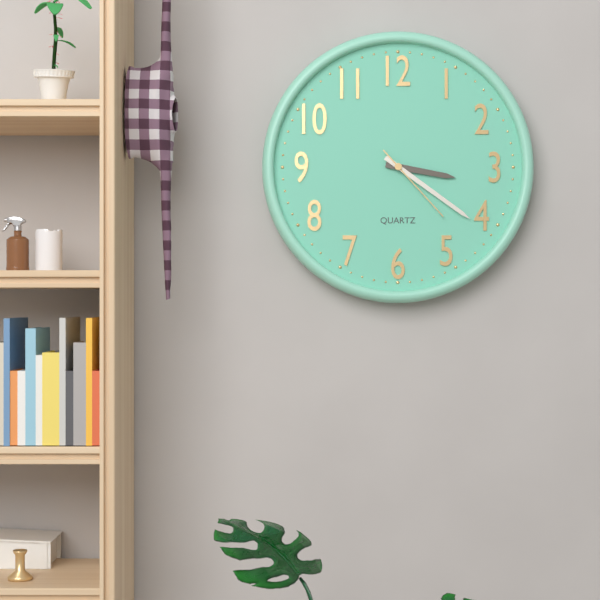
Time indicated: **3:21:23**
